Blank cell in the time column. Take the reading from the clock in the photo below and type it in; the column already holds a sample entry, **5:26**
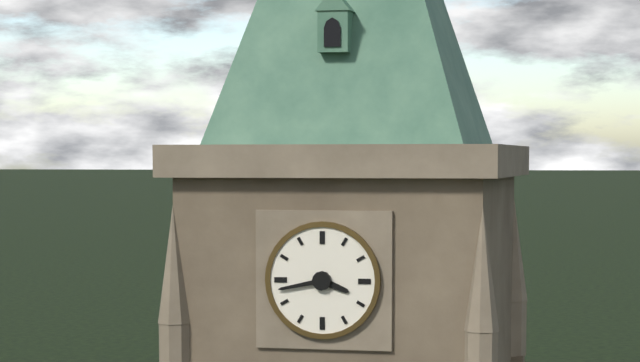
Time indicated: **3:43**
